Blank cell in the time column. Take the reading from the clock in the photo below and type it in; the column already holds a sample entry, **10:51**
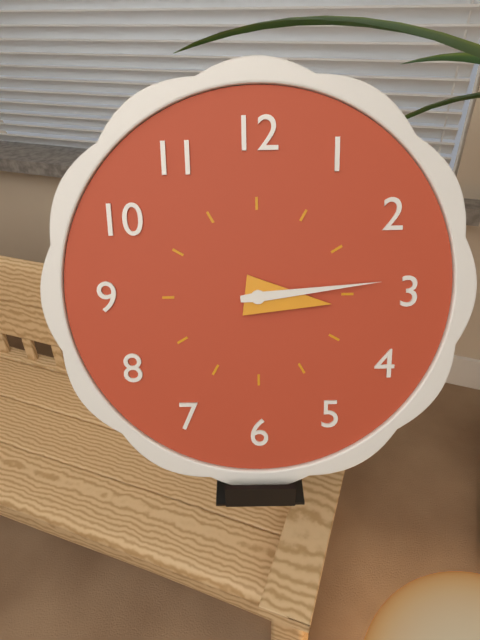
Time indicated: **3:14**
